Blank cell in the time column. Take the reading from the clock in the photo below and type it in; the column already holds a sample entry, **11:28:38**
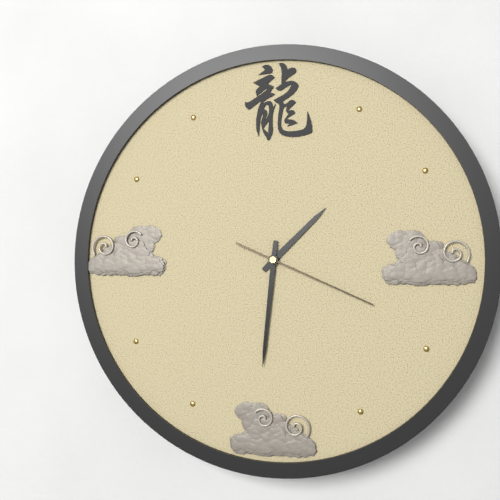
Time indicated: **1:31:19**
